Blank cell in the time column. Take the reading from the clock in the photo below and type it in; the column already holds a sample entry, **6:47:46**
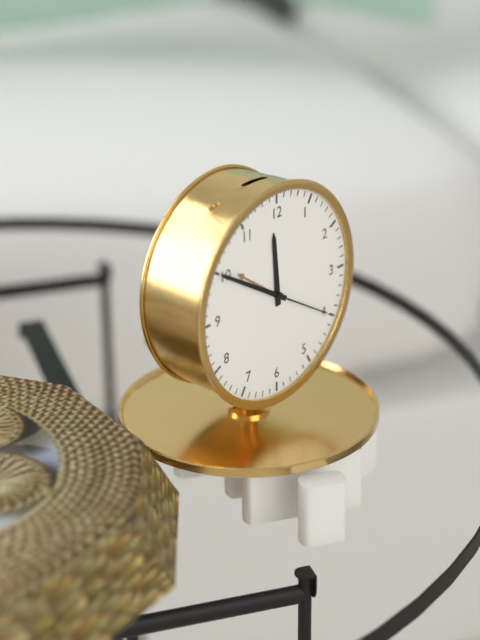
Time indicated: **11:50:20**
